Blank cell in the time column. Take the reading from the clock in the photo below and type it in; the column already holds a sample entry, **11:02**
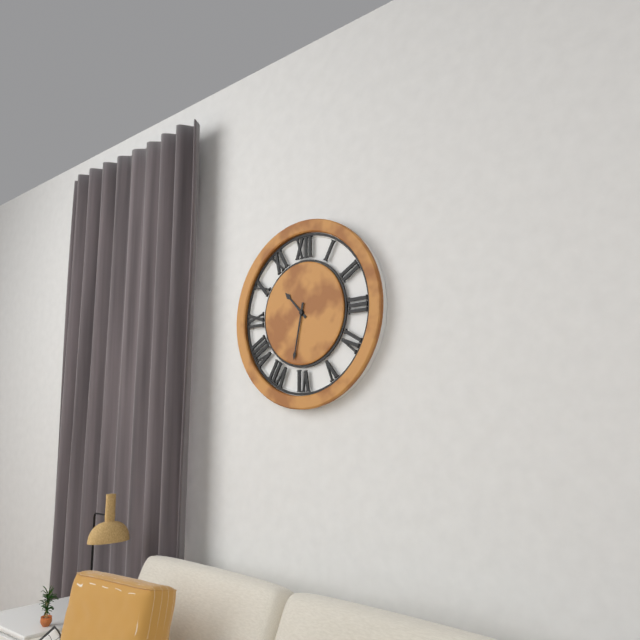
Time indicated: **10:32**
